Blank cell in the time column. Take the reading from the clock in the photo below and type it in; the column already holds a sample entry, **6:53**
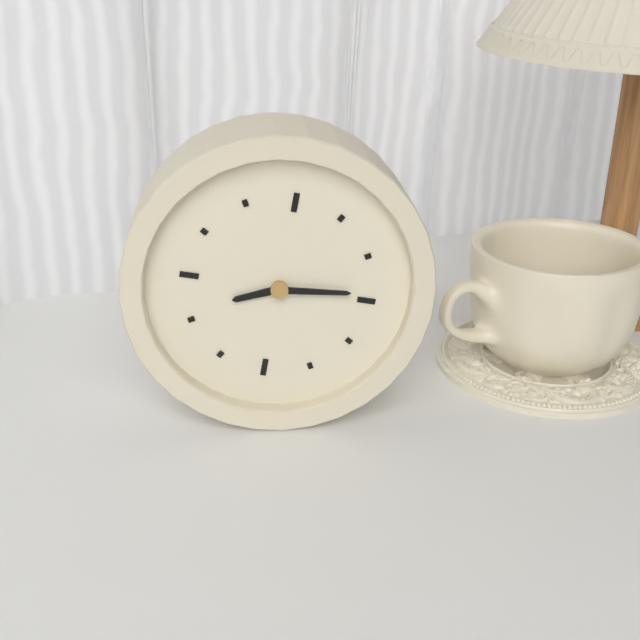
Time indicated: **8:14**
